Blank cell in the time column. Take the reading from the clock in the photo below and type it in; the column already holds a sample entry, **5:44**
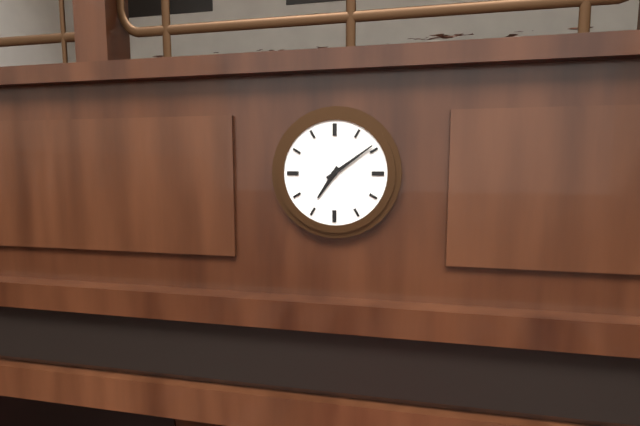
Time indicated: **7:09**
